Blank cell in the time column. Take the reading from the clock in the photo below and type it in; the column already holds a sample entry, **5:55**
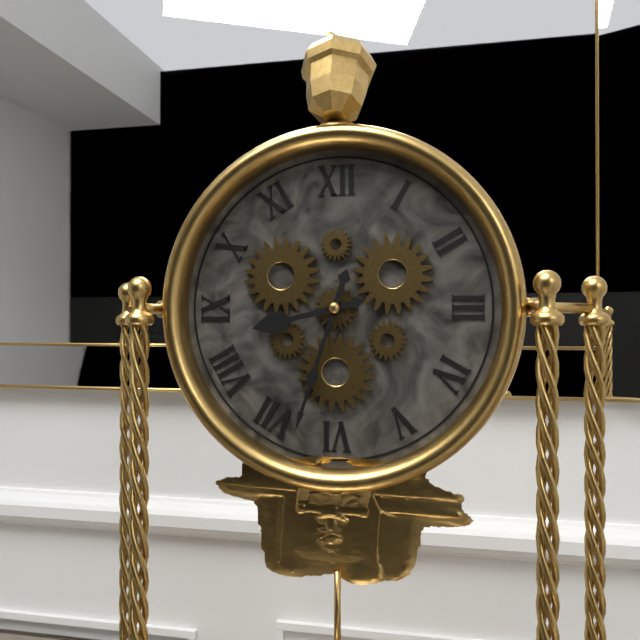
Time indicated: **8:33**
